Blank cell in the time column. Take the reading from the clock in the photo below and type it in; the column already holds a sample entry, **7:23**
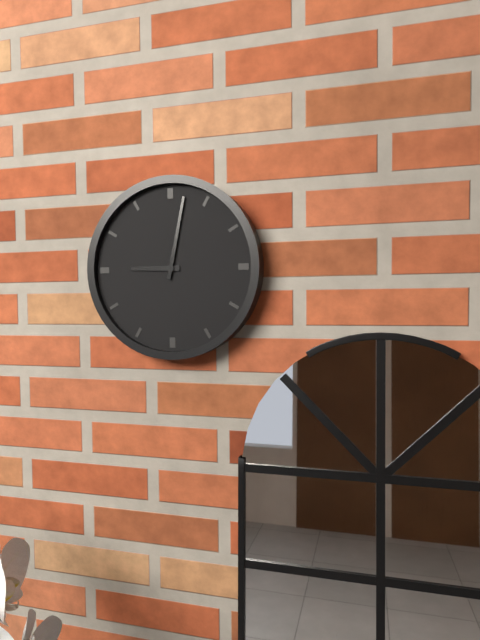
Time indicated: **9:02**
